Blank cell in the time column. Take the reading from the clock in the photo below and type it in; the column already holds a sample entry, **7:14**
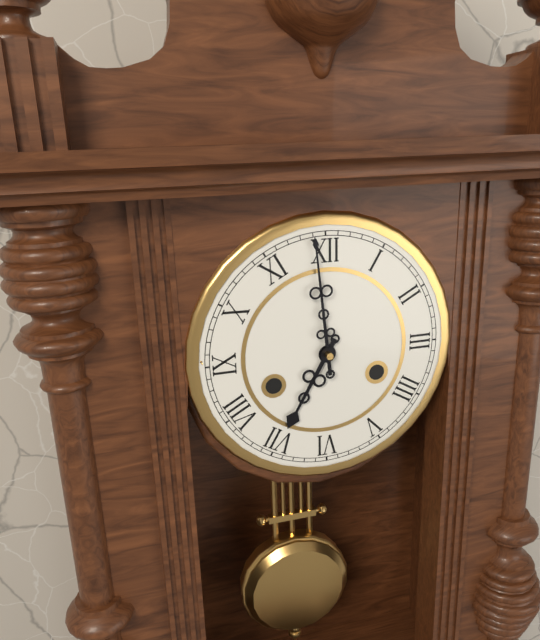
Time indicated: **6:59**
